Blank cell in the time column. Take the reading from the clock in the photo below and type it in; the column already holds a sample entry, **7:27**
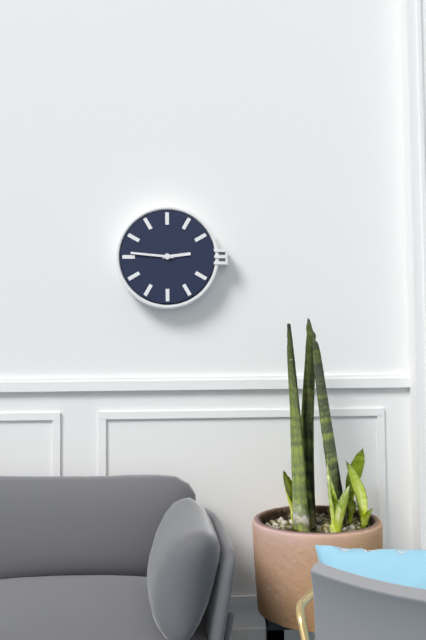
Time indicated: **2:46**
